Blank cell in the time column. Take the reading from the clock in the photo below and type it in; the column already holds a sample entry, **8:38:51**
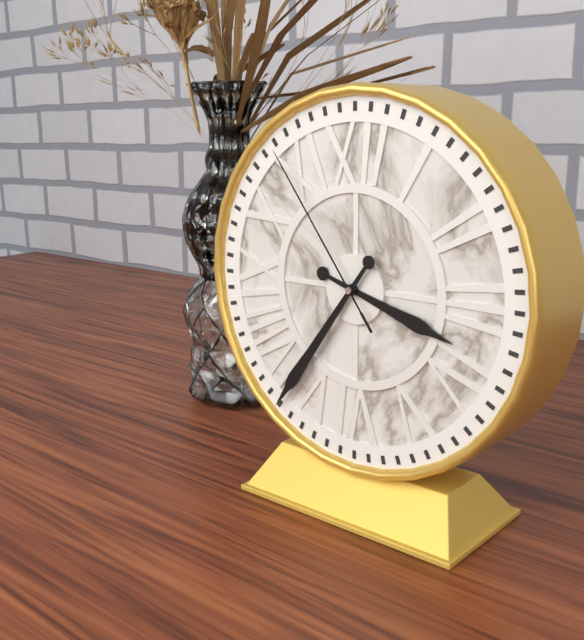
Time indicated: **3:36:54**
